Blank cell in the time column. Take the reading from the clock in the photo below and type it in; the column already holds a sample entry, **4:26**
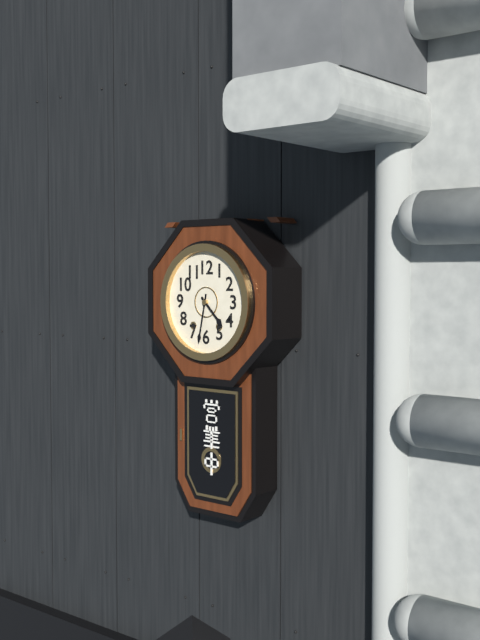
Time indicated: **4:32**
